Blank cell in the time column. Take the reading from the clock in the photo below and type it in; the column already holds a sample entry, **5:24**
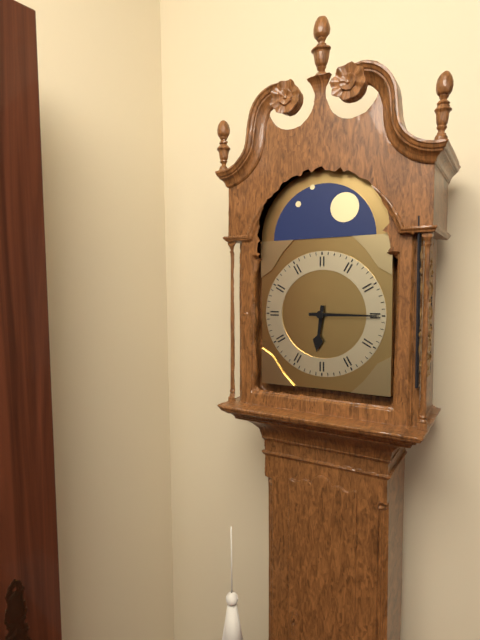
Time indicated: **6:15**
